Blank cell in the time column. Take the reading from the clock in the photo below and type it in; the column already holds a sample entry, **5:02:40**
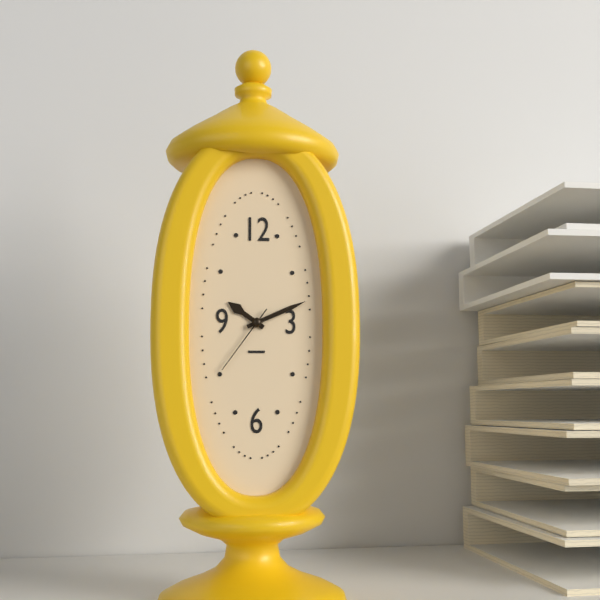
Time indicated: **10:11:36**
